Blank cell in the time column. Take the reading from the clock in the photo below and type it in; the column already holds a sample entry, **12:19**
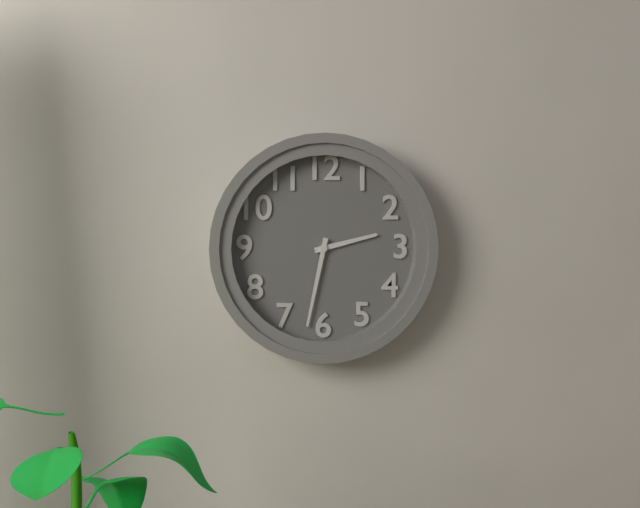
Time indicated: **2:32**
